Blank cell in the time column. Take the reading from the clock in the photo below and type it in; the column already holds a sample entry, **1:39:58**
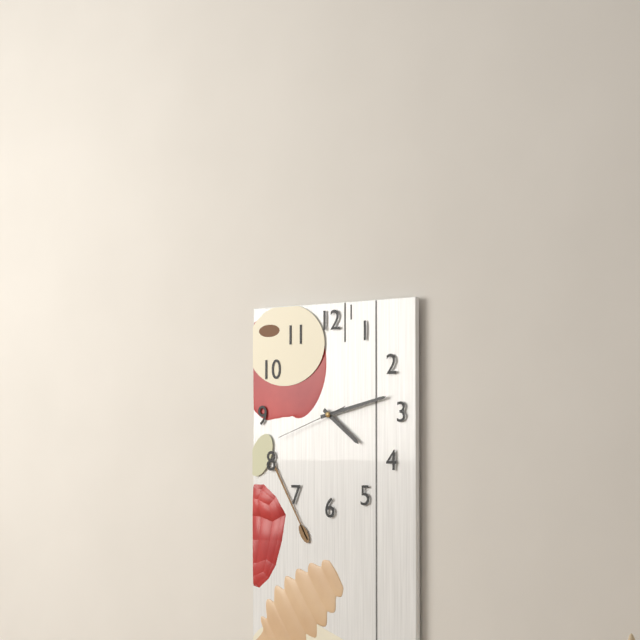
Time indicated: **4:13:42**
